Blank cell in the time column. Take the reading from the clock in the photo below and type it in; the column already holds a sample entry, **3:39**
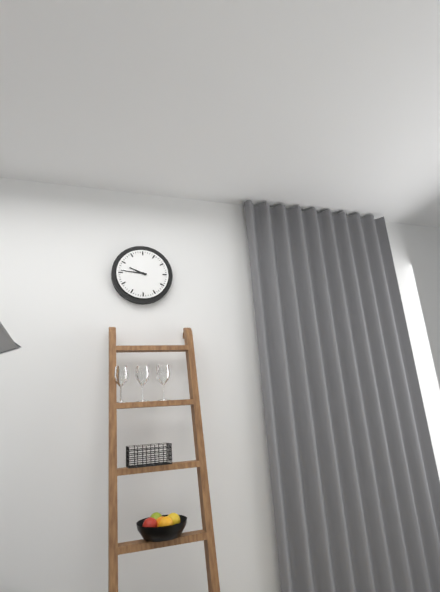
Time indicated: **9:46**
